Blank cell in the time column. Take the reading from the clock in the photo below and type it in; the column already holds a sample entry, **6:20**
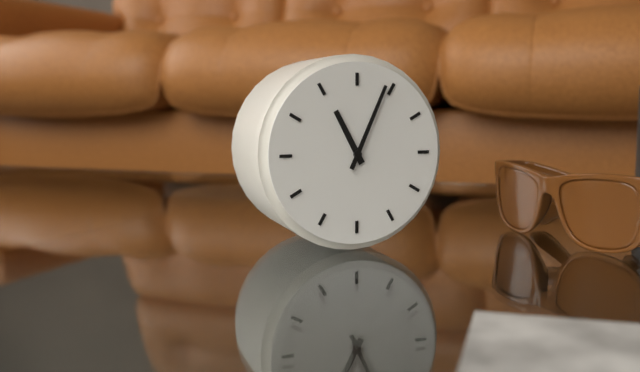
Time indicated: **11:04**
